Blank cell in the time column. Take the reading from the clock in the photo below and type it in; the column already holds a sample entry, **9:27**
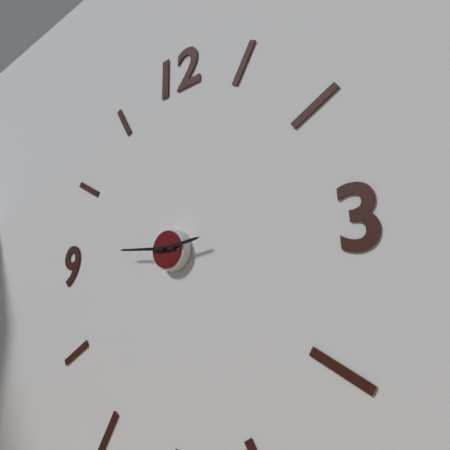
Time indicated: **2:46**
